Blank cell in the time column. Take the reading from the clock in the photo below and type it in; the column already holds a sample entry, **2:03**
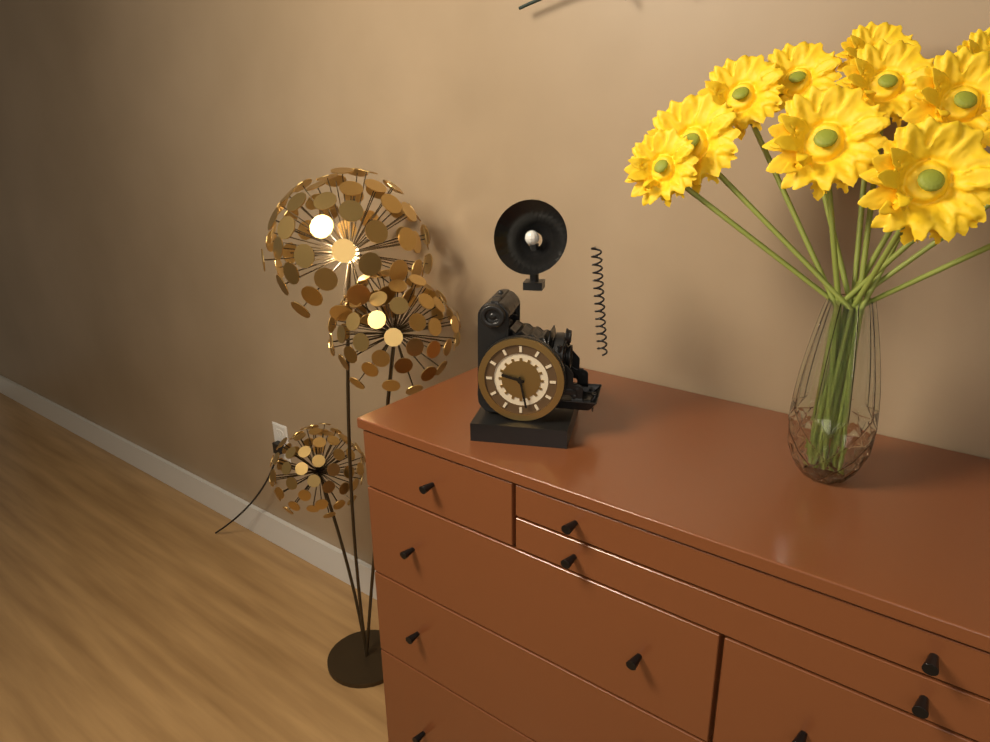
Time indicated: **9:28**
